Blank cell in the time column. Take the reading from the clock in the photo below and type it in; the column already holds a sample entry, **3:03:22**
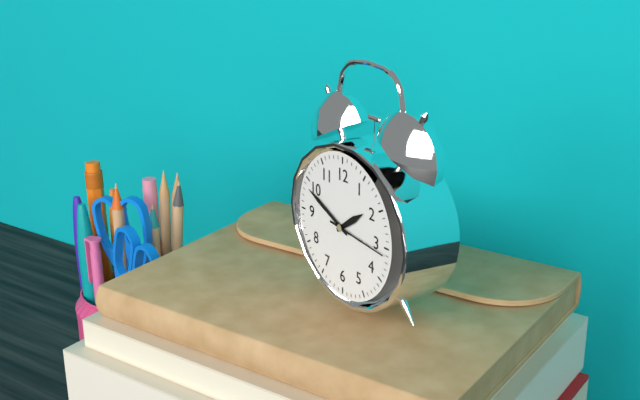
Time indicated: **1:49:16**
